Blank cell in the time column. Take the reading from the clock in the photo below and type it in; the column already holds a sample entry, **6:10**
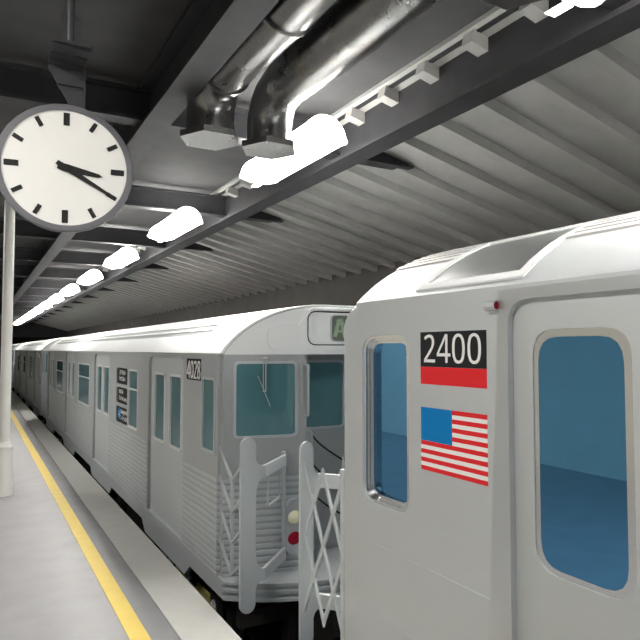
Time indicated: **3:20**
